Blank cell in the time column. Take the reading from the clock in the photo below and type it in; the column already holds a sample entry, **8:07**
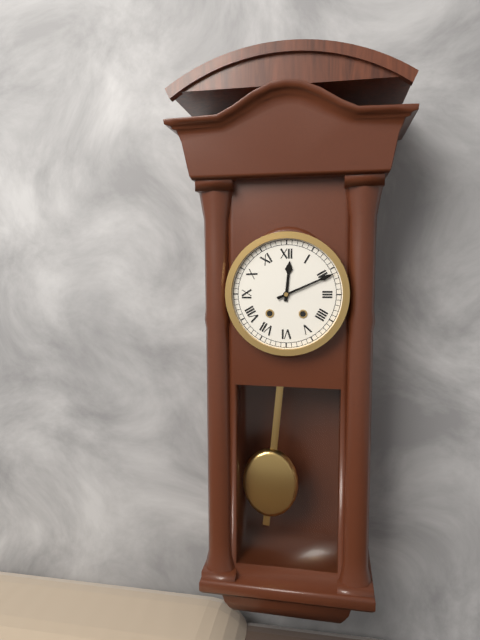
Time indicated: **12:11**
